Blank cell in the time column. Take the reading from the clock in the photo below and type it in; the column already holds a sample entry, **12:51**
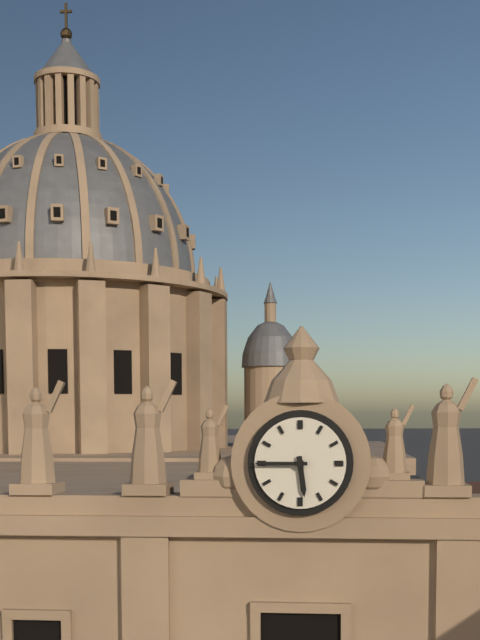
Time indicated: **5:45**
